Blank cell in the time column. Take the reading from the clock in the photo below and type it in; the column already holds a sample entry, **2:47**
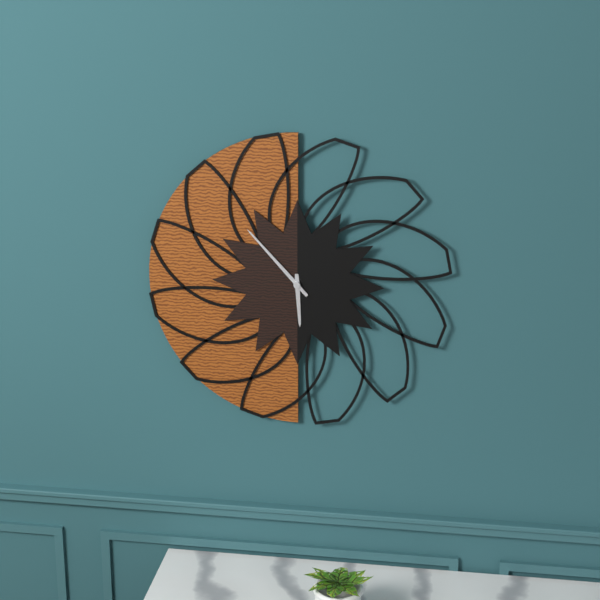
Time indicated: **5:53**
